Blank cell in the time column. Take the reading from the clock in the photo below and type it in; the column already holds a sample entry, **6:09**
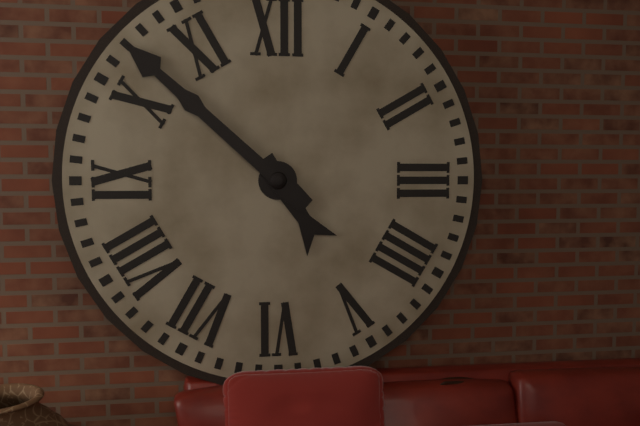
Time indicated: **4:52**
